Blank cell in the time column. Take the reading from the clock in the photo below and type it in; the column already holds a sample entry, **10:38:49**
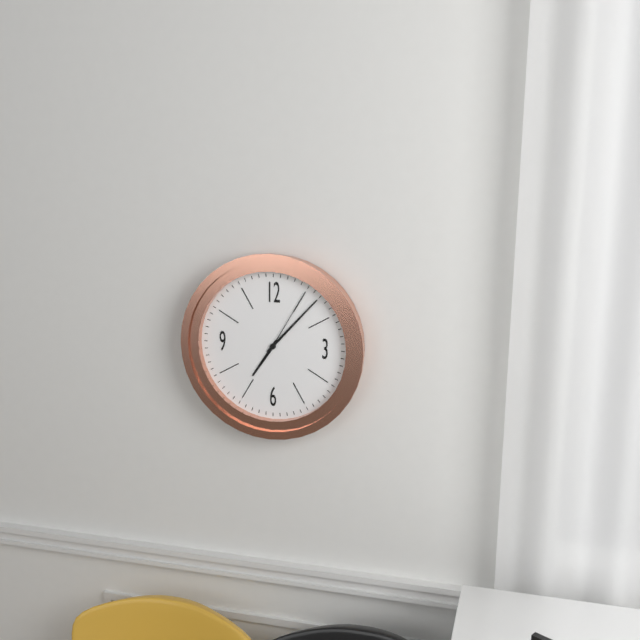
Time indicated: **7:07:05**
